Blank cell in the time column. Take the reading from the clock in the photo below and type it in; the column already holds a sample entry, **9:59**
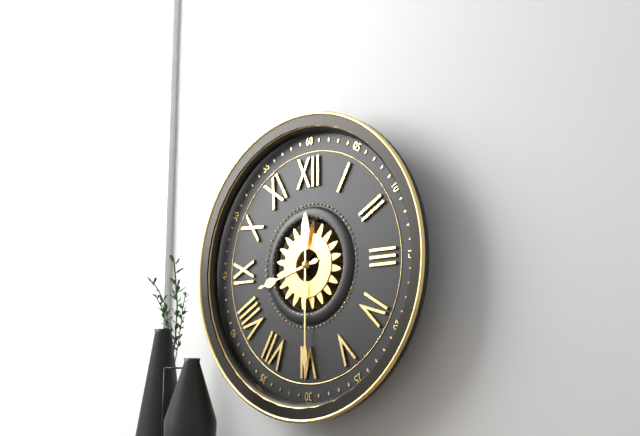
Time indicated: **8:30**
